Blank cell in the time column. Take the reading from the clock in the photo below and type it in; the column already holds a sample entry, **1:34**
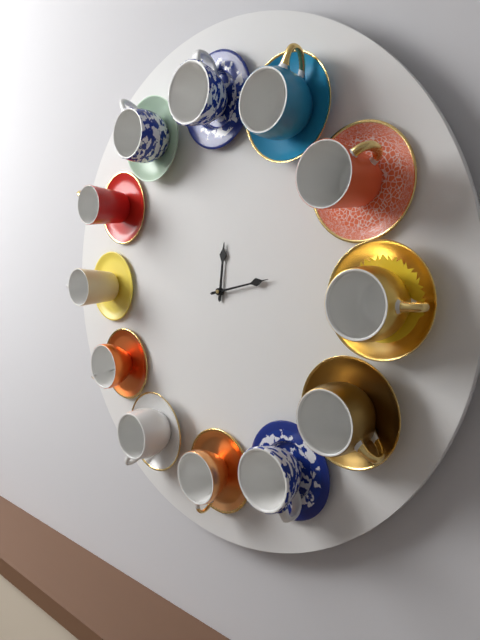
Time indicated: **12:13**
